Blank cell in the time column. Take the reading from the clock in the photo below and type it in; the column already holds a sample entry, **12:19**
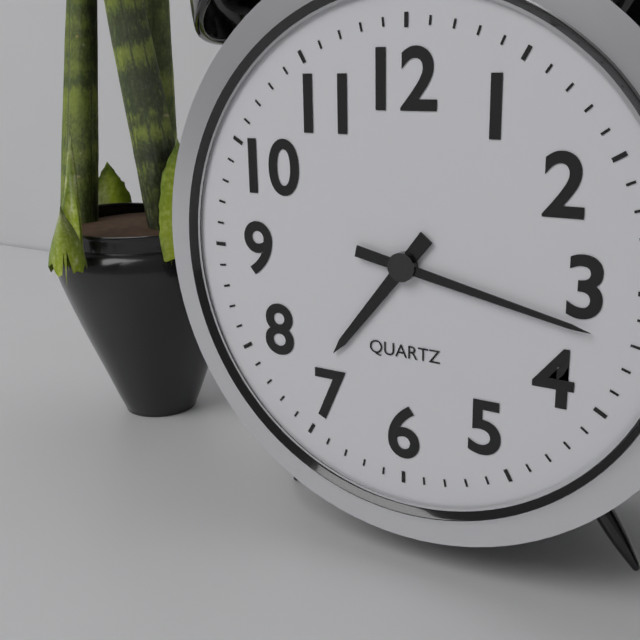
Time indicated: **7:17**
